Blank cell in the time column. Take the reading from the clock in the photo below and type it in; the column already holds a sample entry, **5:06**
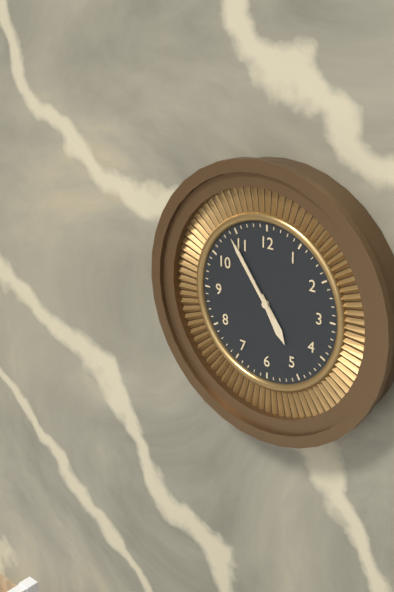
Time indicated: **4:54**
